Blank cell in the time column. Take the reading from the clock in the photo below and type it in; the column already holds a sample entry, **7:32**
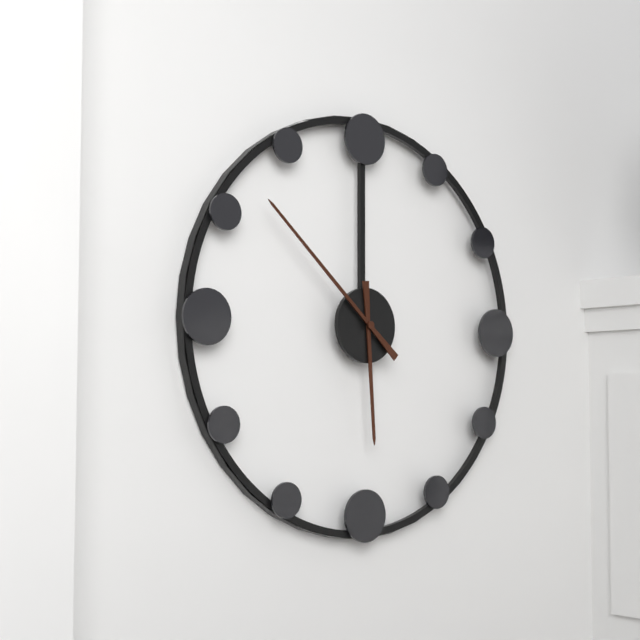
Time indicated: **5:52**
